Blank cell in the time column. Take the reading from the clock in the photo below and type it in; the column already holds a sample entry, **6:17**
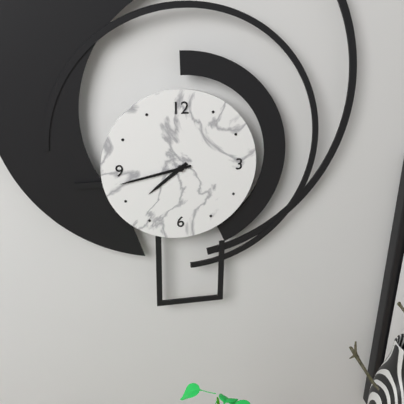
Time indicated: **7:43**
